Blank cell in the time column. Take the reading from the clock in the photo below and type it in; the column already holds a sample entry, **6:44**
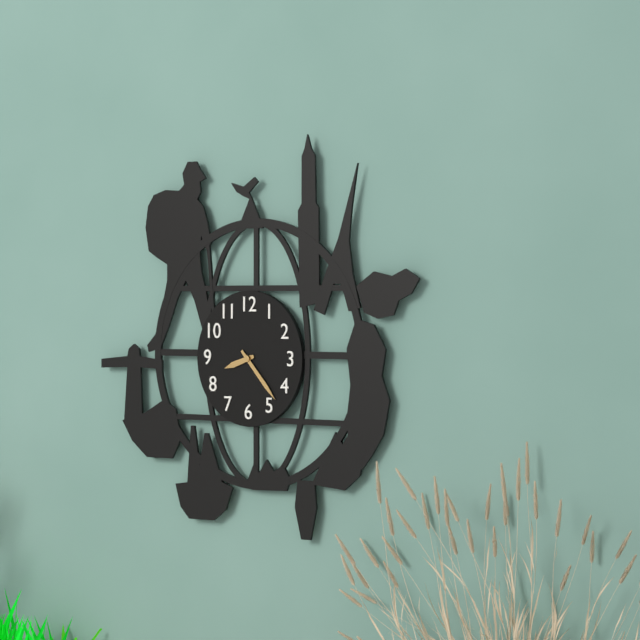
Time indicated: **8:23**
